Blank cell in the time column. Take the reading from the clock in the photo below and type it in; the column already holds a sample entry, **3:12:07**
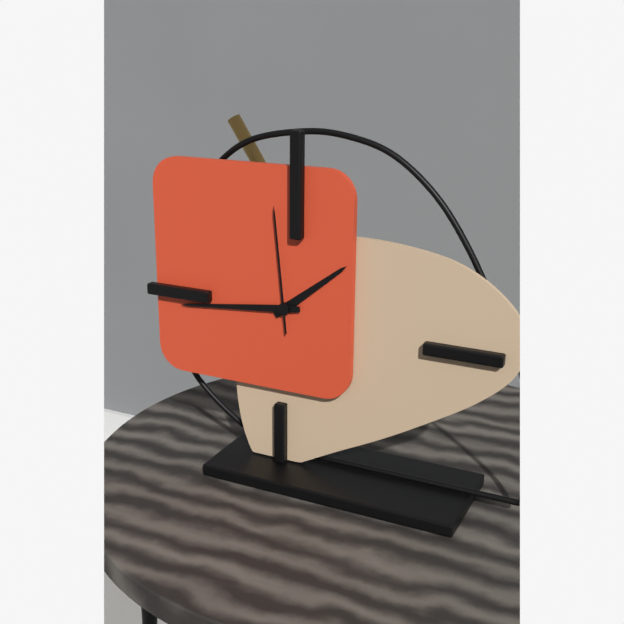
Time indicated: **1:44:59**
